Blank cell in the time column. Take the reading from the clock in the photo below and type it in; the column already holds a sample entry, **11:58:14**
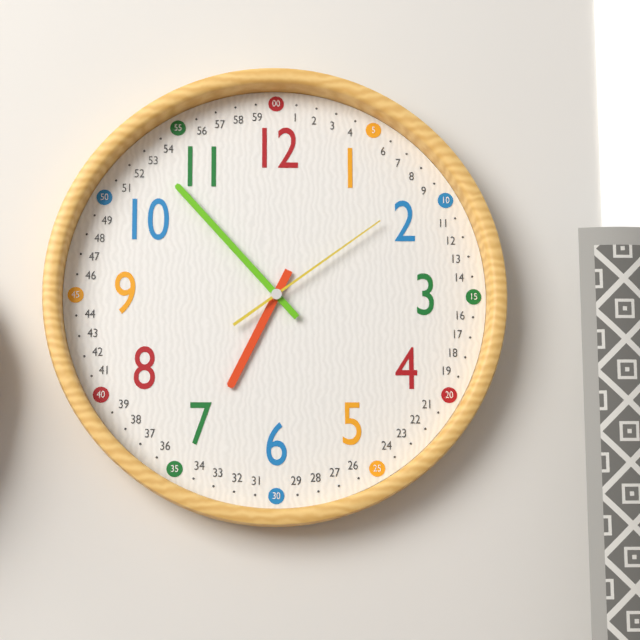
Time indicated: **6:53:09**
